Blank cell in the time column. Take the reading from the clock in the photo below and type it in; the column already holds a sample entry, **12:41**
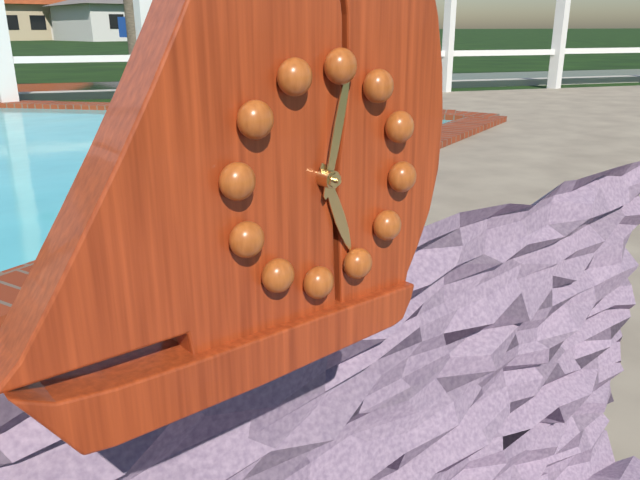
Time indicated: **5:01**
